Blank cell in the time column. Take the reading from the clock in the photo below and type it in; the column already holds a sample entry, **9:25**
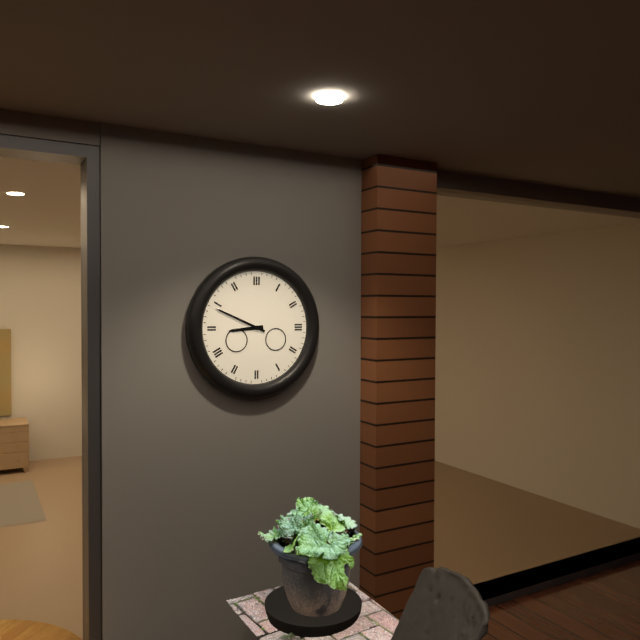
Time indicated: **8:49**
